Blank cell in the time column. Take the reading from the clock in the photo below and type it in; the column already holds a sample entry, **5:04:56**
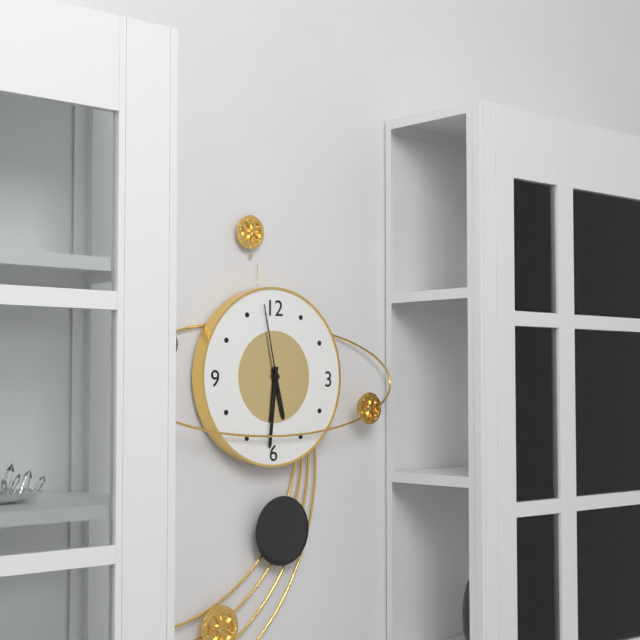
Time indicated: **5:31:58**
